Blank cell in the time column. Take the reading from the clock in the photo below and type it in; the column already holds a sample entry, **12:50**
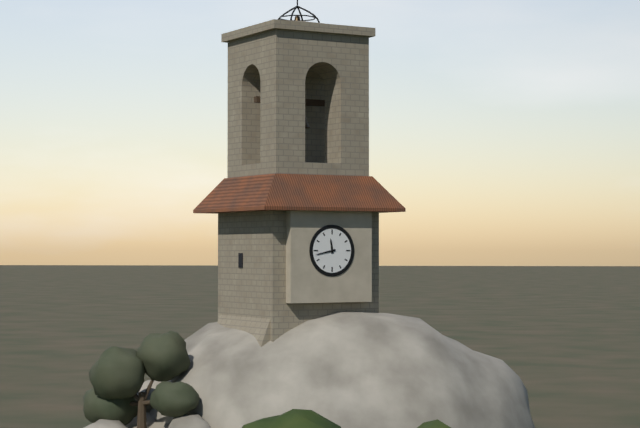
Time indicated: **11:43**
